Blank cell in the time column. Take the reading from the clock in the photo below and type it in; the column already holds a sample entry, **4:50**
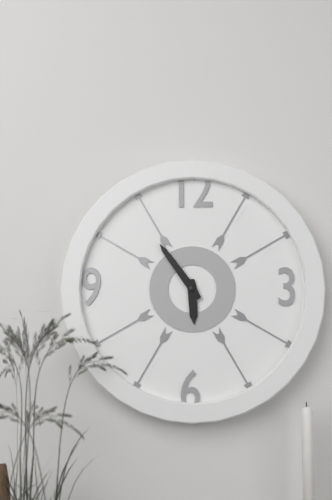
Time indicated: **5:54**
